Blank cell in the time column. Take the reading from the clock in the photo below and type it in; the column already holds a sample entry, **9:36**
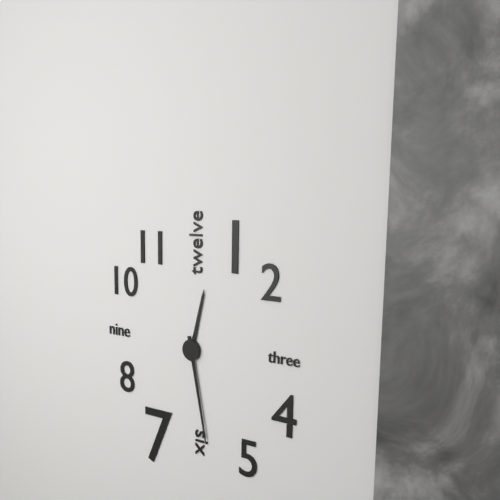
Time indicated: **12:28**
